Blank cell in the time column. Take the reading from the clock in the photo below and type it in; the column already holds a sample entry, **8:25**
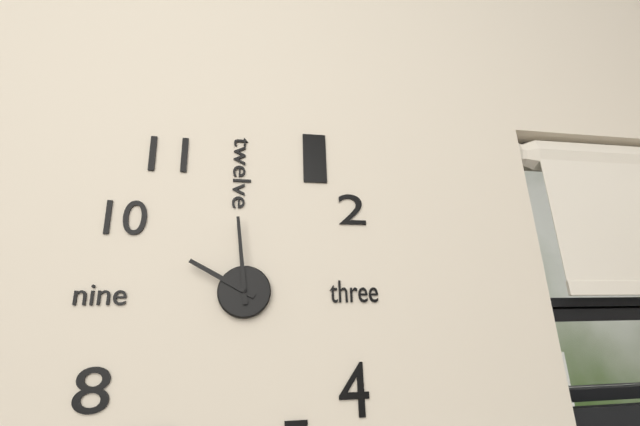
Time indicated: **9:59**
